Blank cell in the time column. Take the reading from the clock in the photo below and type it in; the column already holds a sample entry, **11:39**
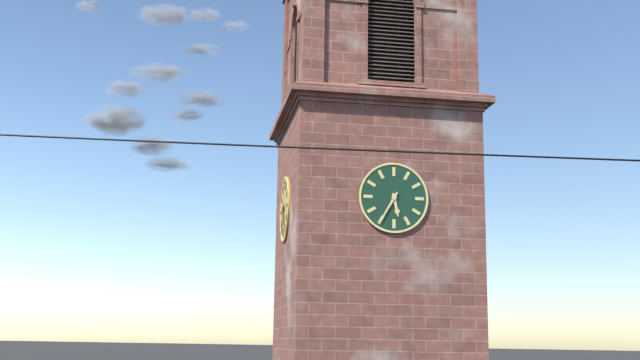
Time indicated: **5:35**
